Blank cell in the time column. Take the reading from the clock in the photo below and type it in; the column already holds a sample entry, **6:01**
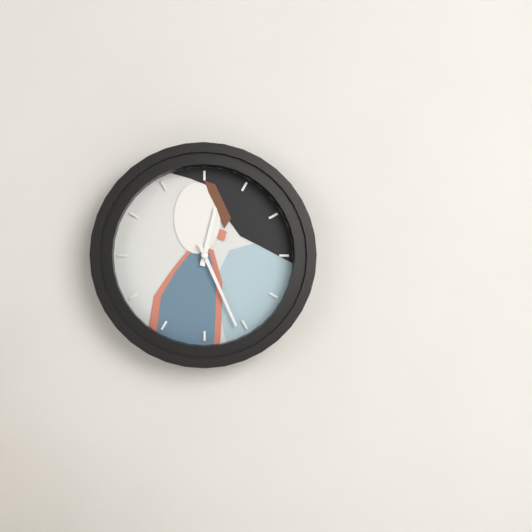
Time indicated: **12:26**
